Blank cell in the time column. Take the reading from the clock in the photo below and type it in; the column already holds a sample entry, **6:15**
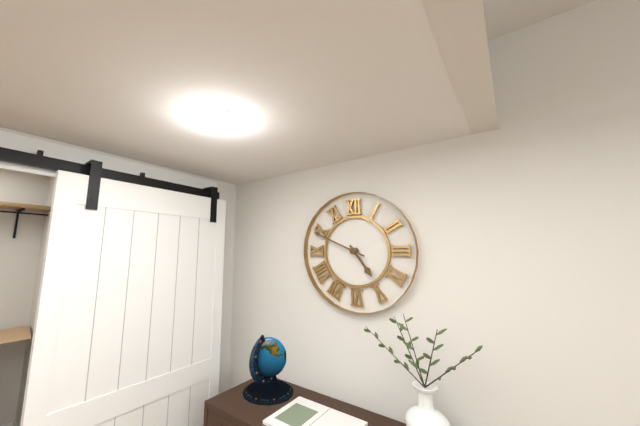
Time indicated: **4:49**
